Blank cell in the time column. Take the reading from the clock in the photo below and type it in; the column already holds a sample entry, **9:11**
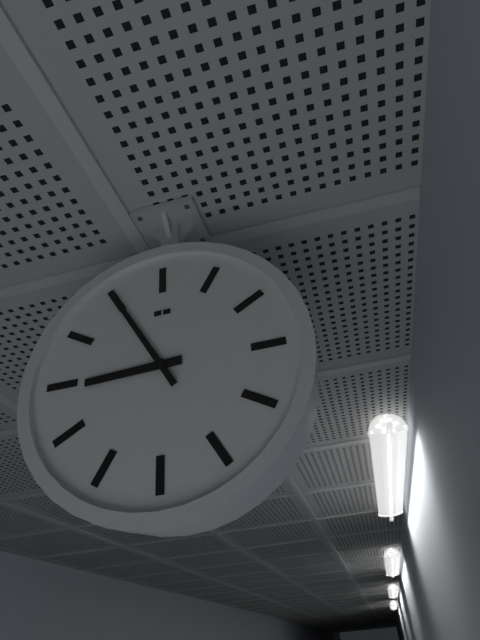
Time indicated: **8:55**
